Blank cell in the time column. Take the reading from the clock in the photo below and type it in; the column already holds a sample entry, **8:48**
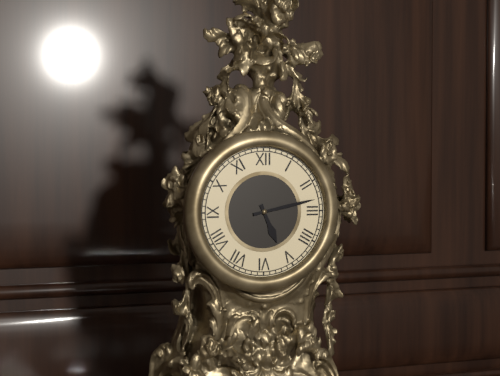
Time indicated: **5:13**
